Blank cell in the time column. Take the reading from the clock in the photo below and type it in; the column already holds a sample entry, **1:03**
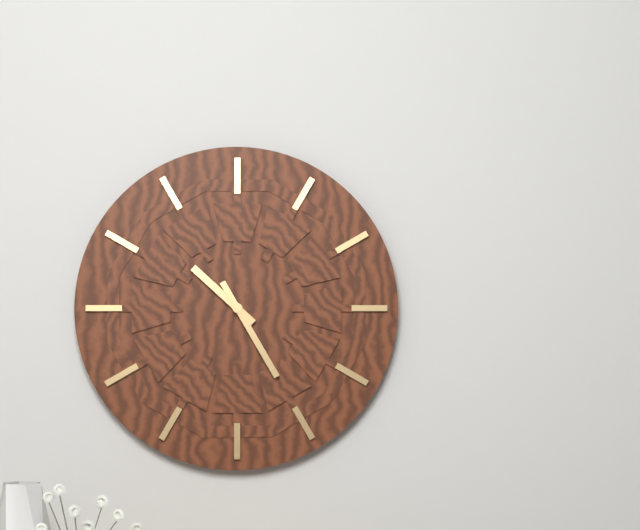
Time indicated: **10:25**
